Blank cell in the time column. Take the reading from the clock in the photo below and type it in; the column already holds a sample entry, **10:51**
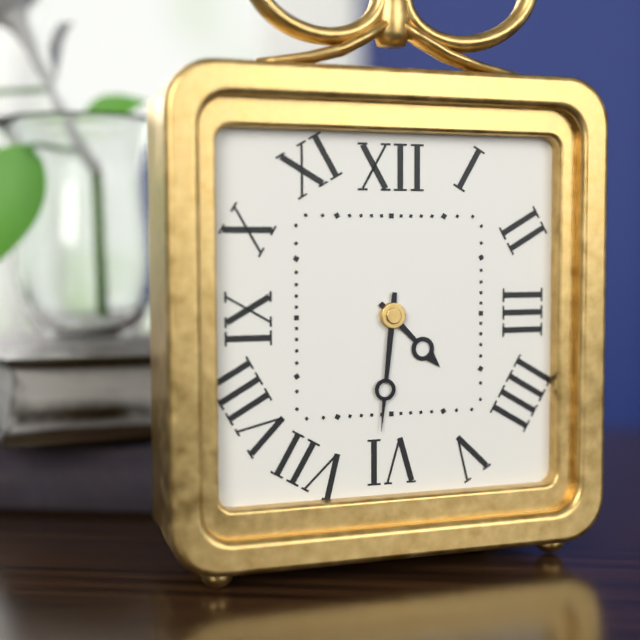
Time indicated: **4:31**
